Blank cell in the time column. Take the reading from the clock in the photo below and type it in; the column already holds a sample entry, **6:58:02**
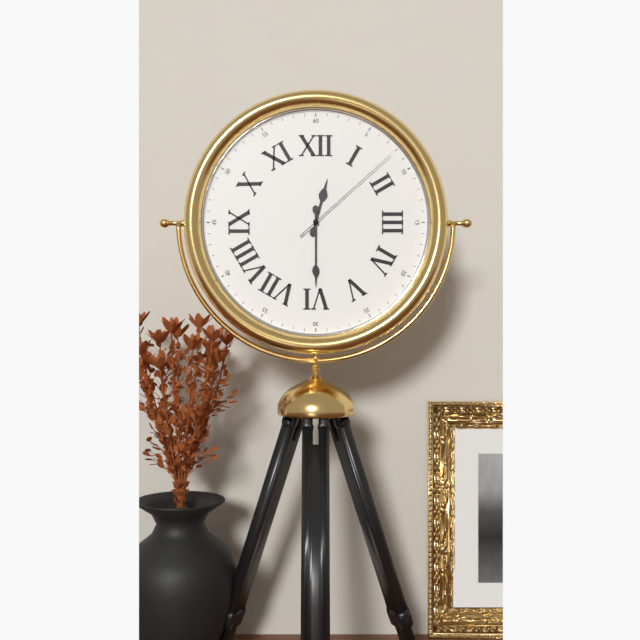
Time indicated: **12:30:08**
